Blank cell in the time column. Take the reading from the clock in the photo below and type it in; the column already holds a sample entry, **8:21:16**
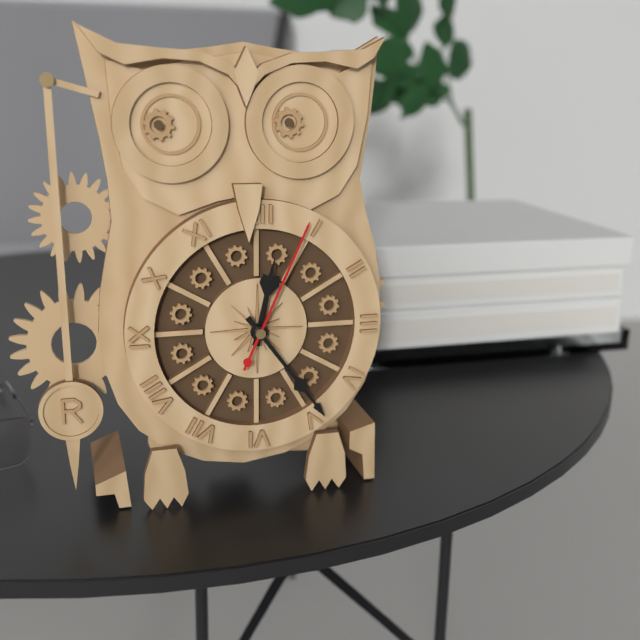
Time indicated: **12:24:04**
